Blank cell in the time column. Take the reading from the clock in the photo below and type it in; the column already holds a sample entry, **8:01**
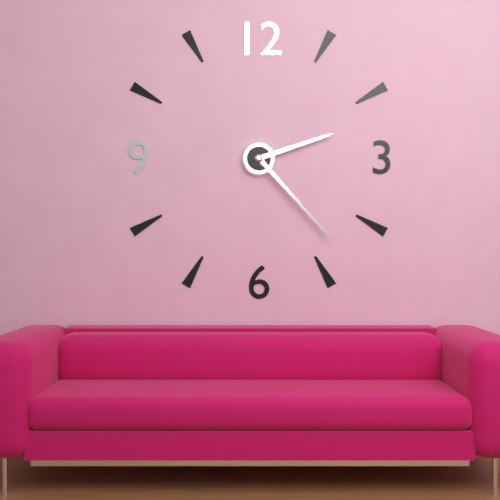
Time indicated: **2:23**
